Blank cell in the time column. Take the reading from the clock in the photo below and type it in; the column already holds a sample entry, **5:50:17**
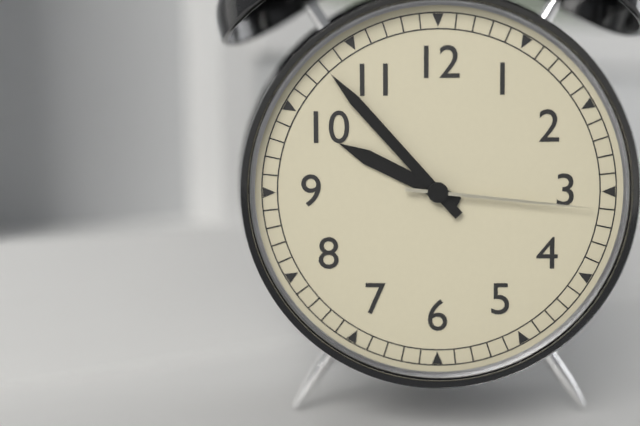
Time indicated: **9:53:16**
